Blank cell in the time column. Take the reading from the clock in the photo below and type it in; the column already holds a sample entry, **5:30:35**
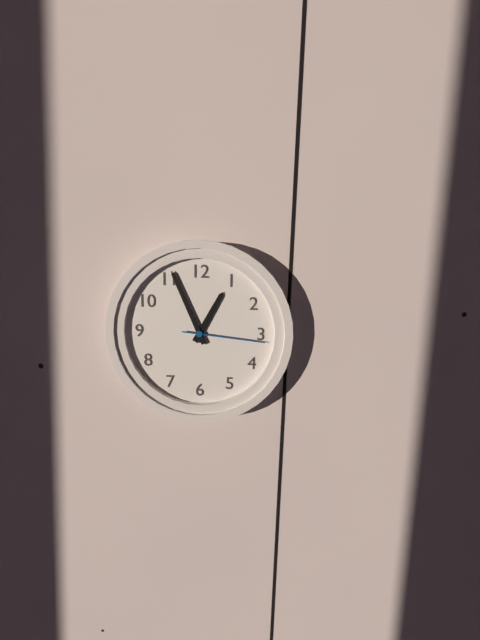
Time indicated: **12:56:16**
